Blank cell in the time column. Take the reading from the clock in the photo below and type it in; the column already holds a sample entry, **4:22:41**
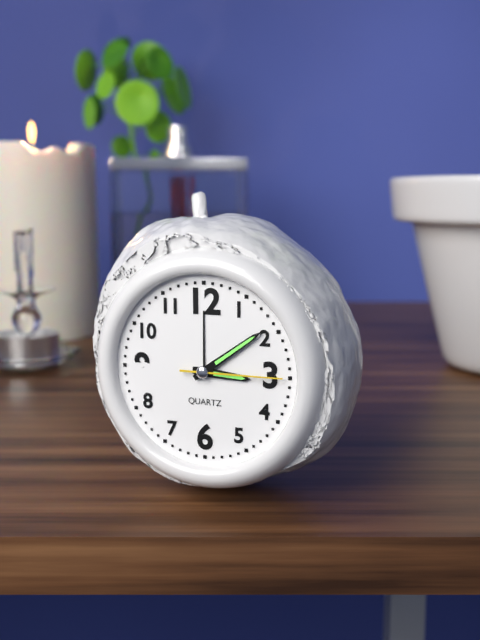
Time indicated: **3:09:15**
